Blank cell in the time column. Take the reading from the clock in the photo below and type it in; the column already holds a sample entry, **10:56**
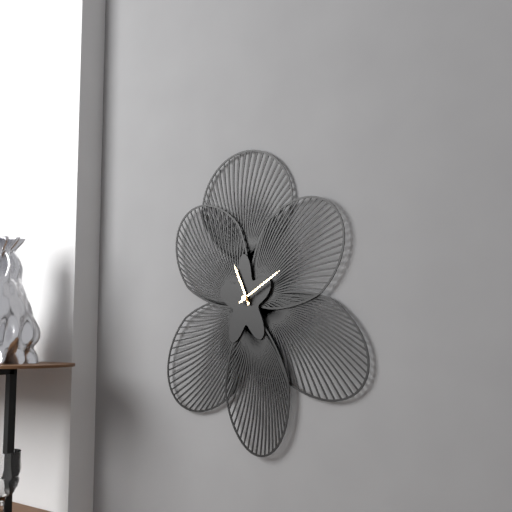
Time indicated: **11:10**
